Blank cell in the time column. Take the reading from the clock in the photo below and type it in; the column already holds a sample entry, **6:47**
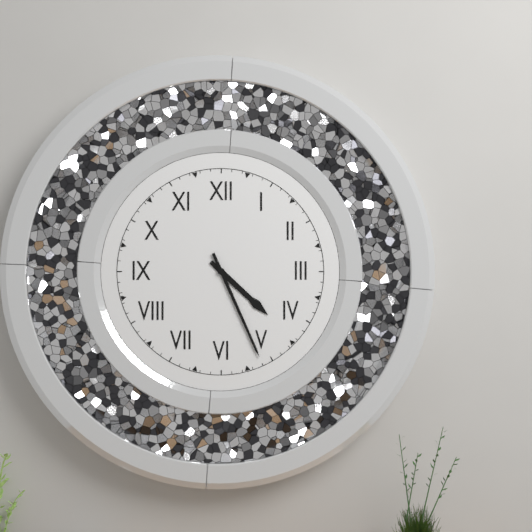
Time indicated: **4:26**
